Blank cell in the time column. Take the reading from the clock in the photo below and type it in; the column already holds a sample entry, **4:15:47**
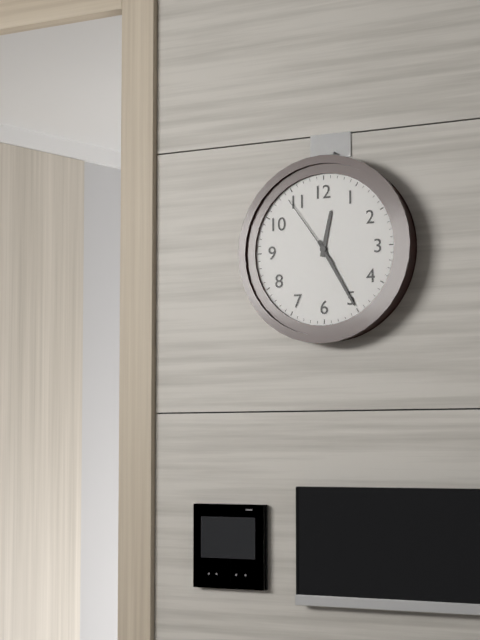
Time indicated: **12:25:54**
